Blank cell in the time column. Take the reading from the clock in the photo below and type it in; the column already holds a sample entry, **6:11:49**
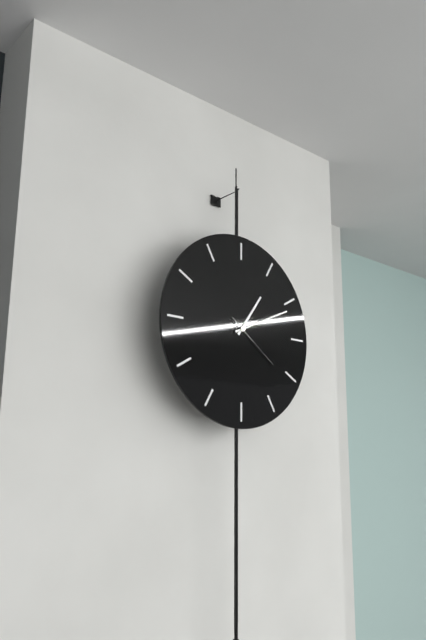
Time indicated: **1:11:21**
